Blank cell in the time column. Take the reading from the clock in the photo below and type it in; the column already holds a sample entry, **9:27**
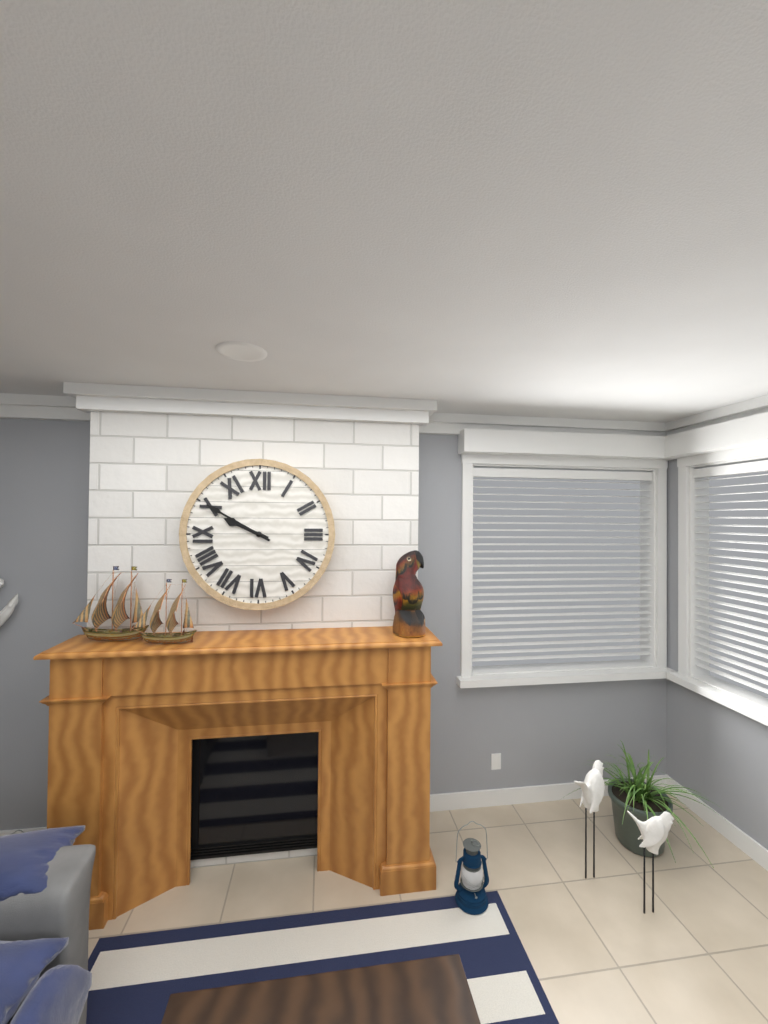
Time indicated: **9:50**
